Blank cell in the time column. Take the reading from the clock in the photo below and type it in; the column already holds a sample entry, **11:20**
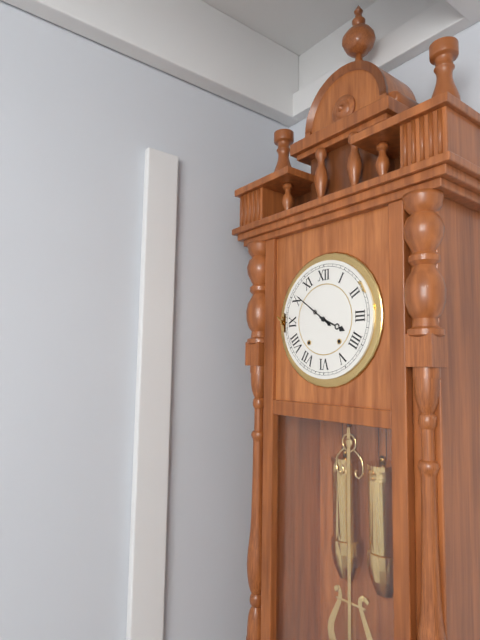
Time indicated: **3:51**
